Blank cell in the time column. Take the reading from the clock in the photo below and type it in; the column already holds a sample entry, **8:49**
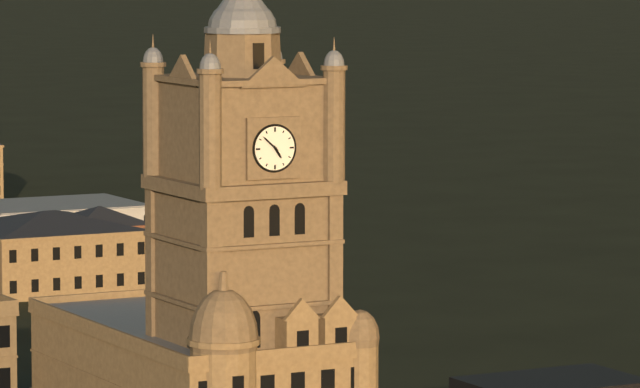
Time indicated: **4:52**
